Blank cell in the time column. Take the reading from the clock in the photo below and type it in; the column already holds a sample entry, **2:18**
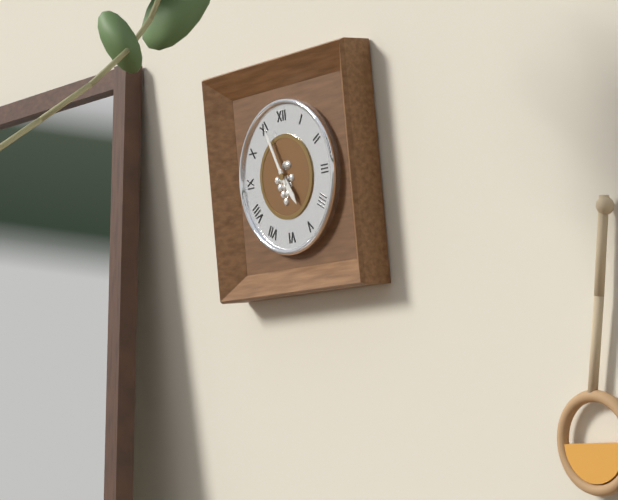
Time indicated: **4:56**
